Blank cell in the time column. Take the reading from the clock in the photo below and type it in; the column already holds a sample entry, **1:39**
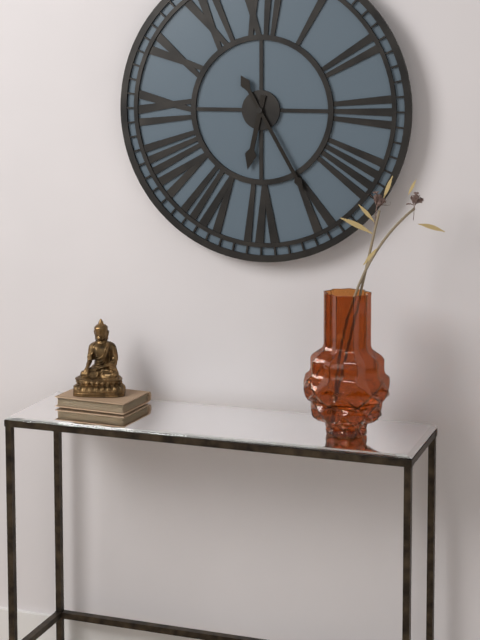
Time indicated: **6:25**
